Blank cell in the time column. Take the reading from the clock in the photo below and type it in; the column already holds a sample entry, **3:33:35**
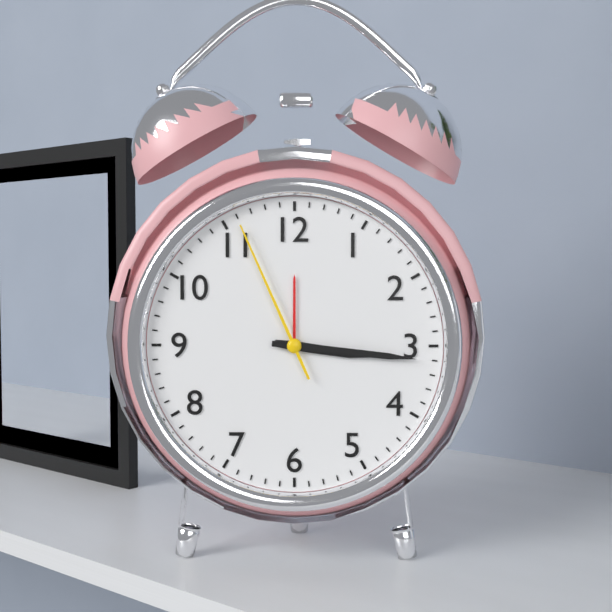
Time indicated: **3:16:56**
